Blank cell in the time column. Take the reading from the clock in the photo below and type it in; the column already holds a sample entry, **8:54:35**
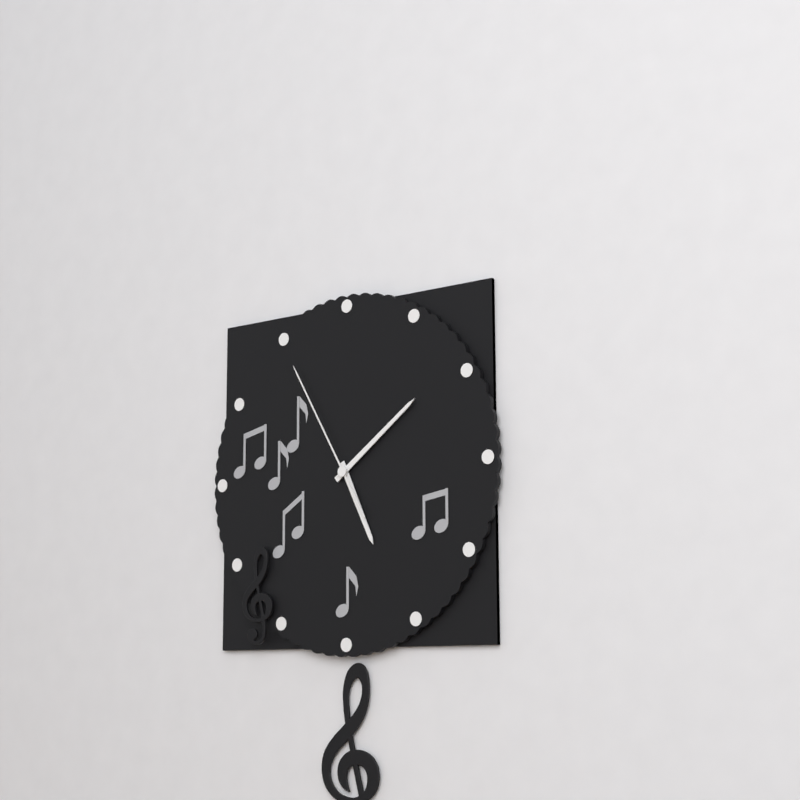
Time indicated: **5:09:55**
